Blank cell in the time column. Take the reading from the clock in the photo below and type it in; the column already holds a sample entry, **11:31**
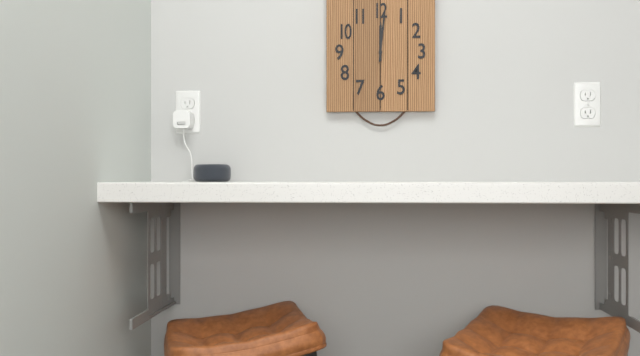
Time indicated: **12:01**
